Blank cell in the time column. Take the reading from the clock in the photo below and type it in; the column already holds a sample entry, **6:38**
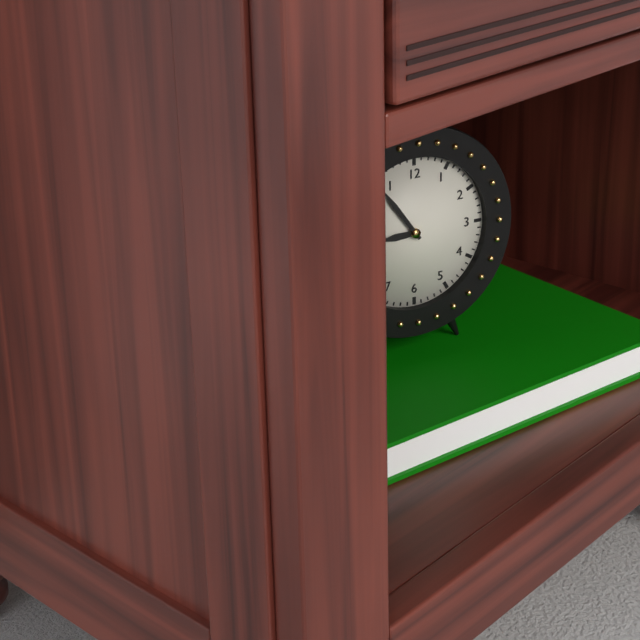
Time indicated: **8:54**
